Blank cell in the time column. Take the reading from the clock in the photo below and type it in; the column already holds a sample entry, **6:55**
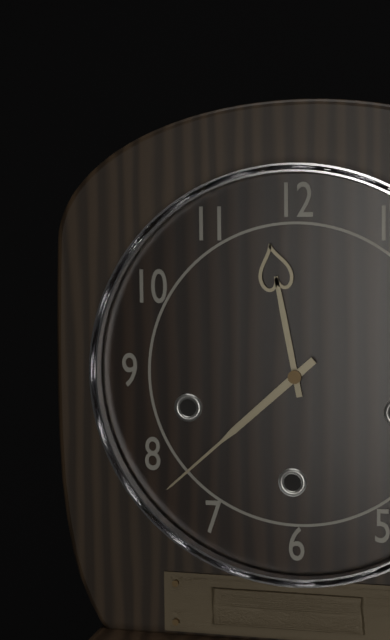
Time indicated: **11:38**
